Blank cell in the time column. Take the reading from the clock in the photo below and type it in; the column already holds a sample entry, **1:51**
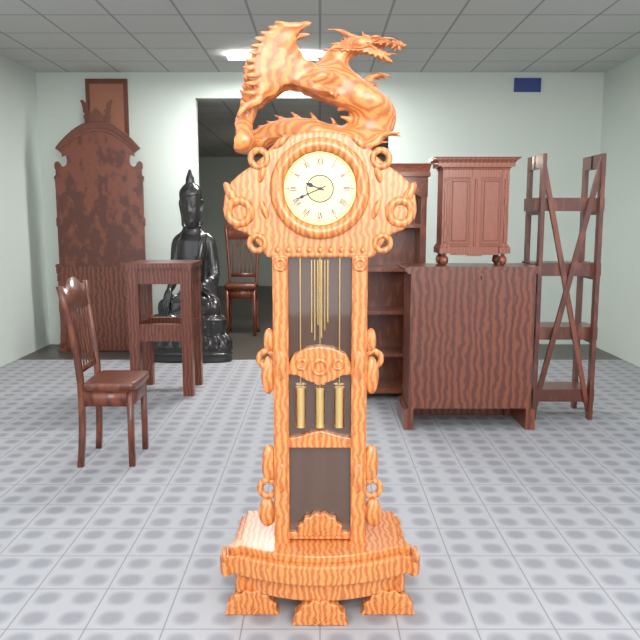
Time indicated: **9:41**
